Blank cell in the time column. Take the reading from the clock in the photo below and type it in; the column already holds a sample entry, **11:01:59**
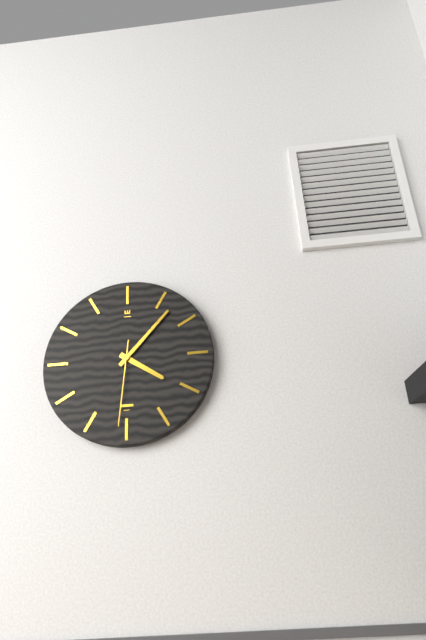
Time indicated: **4:07:31**
